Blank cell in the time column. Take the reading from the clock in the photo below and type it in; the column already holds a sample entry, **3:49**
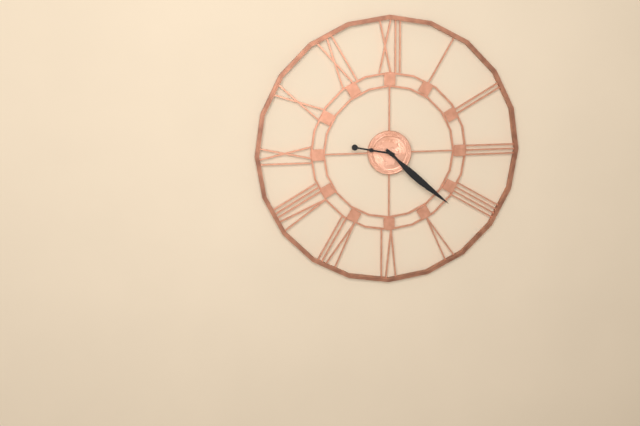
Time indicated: **9:22**
